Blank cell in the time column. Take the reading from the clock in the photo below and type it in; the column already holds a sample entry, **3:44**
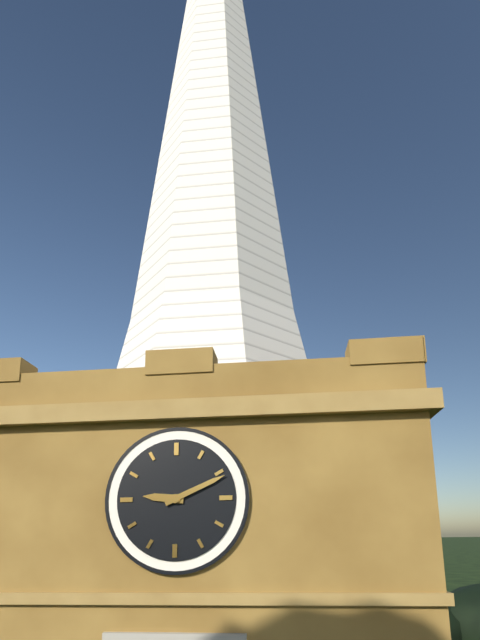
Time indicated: **9:11**
